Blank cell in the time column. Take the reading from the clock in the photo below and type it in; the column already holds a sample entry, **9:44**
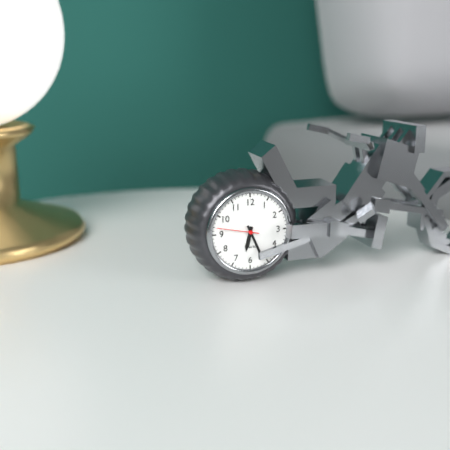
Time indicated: **6:26**
